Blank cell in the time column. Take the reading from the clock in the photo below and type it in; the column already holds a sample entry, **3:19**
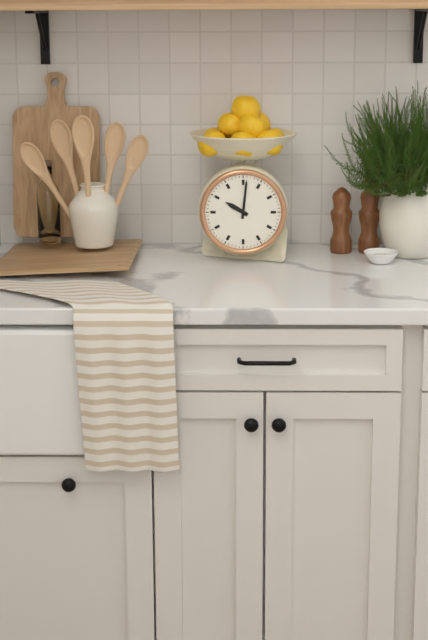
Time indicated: **10:01**
